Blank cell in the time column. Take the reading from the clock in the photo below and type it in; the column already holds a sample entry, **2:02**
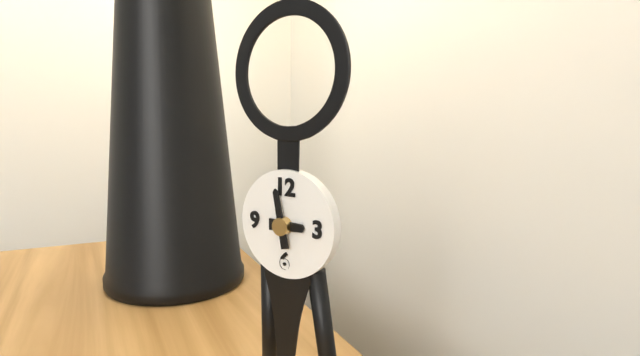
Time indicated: **2:58**
